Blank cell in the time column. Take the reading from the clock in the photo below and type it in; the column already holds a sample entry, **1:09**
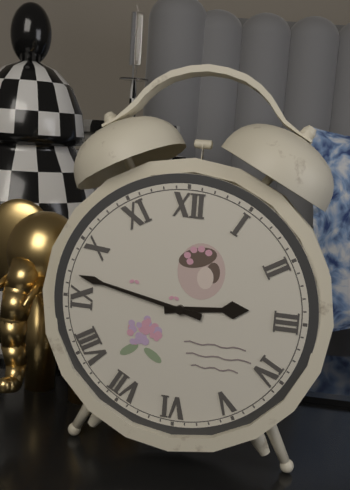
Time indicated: **2:47**
